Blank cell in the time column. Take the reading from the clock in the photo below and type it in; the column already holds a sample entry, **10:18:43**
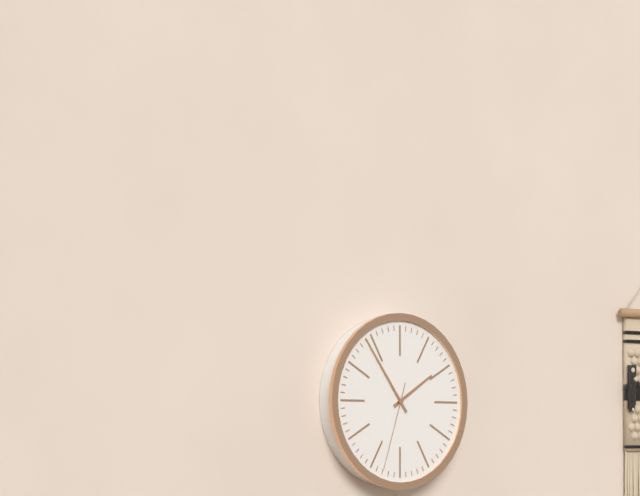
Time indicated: **1:54:33**
